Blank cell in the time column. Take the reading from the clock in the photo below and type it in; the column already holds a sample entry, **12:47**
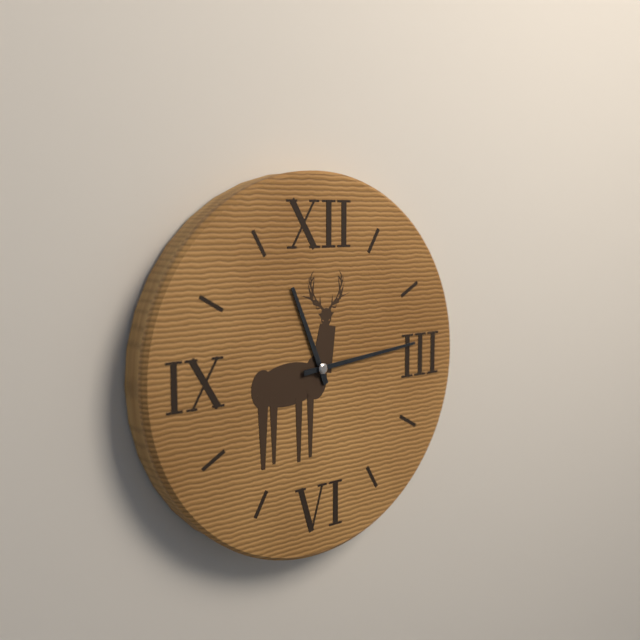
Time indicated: **11:14**
